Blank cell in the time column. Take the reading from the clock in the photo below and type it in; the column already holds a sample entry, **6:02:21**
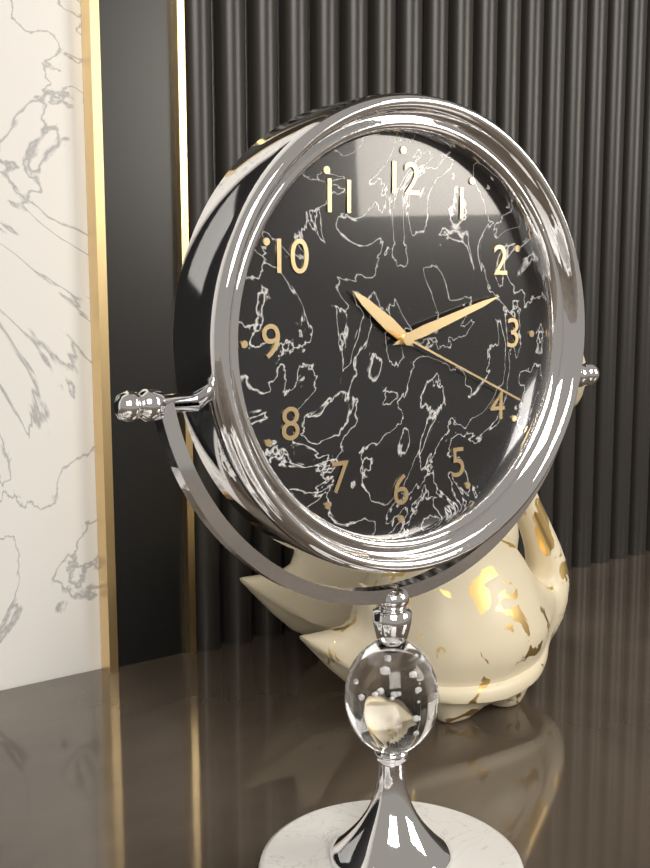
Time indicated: **10:12:19**
